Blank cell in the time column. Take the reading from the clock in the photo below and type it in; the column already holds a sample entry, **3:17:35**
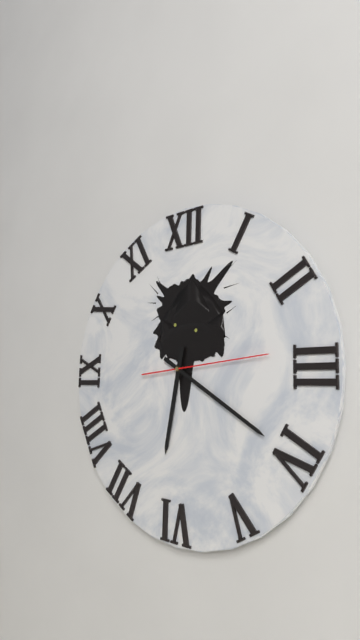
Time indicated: **6:20:14**
